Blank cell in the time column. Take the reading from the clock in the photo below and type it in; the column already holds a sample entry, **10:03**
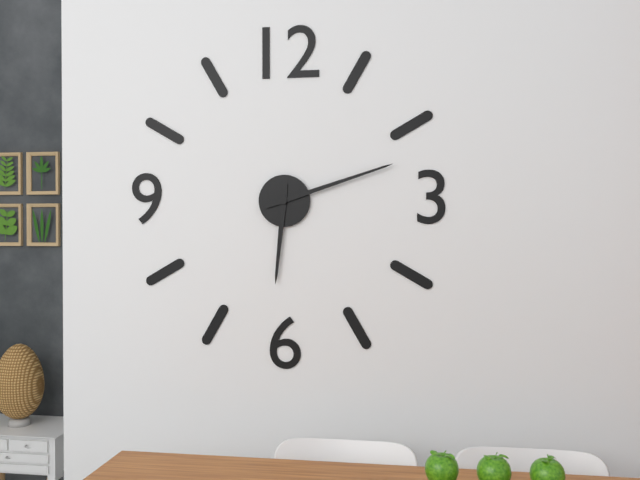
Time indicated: **6:12**
